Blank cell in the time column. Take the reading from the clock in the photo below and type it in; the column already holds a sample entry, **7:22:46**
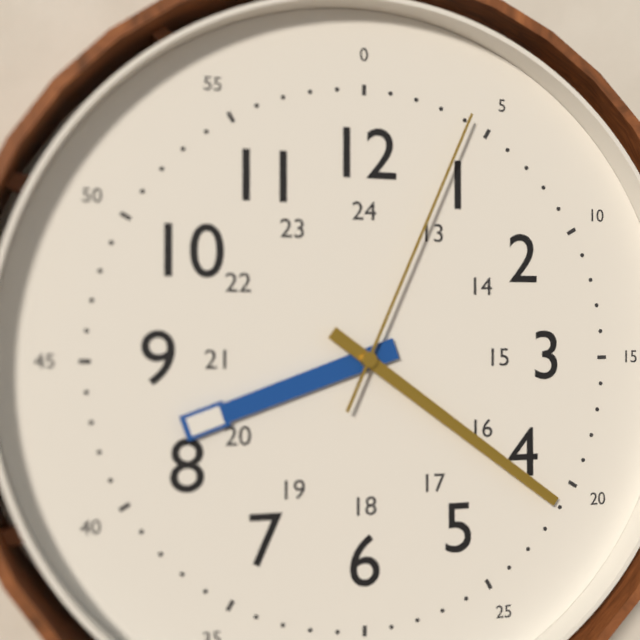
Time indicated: **8:21:04**
